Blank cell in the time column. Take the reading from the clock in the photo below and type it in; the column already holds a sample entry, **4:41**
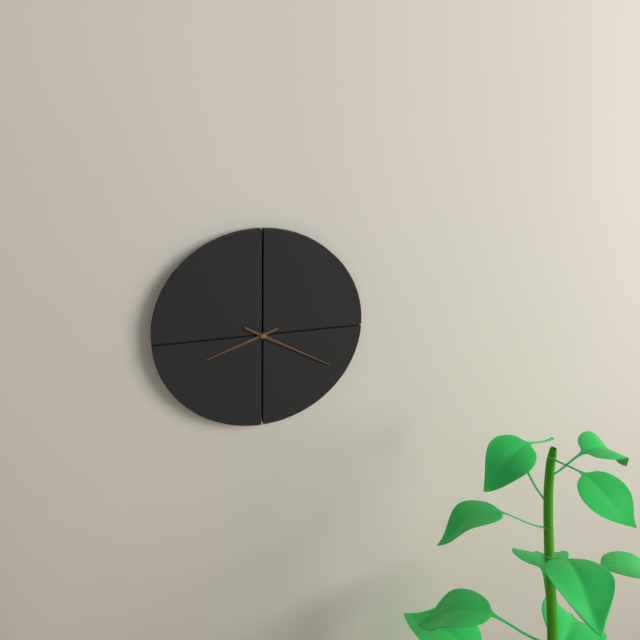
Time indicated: **8:20**
